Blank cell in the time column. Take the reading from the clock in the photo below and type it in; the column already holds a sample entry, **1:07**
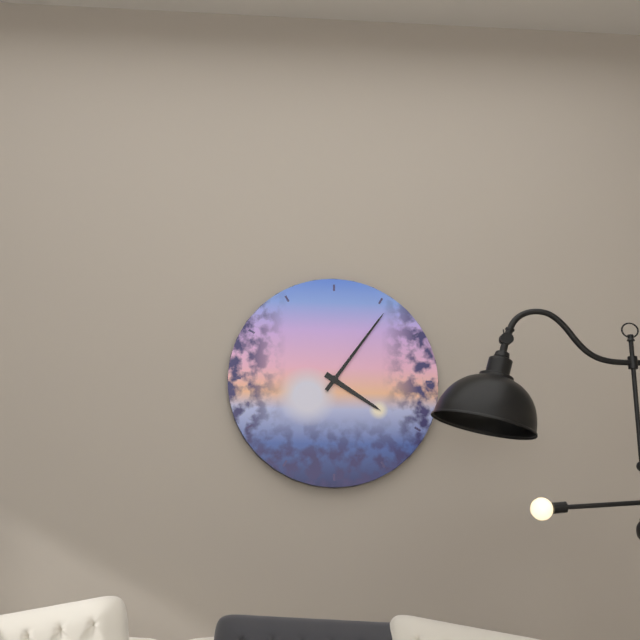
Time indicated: **4:06**
